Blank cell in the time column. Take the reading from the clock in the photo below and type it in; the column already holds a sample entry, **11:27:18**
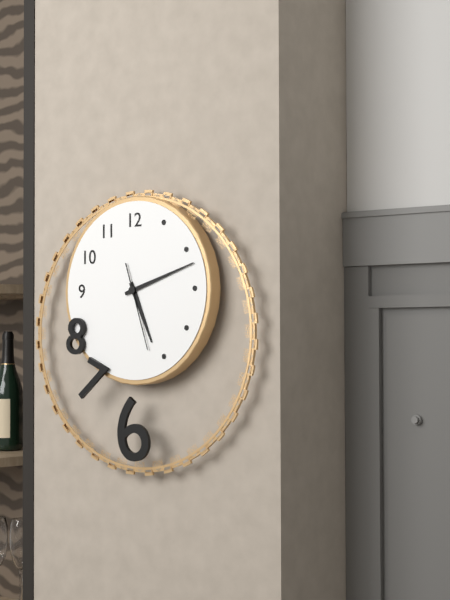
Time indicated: **5:12:27**
